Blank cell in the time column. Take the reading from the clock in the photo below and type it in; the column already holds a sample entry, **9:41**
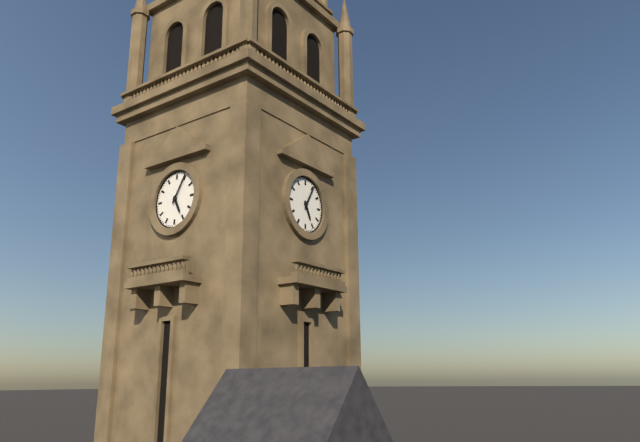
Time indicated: **5:05**
